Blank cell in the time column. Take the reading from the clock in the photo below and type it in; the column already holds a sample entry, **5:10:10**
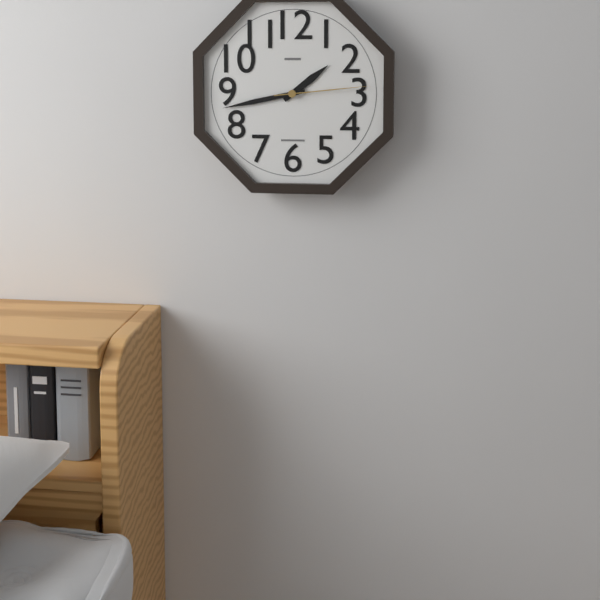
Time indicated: **1:43:14**
